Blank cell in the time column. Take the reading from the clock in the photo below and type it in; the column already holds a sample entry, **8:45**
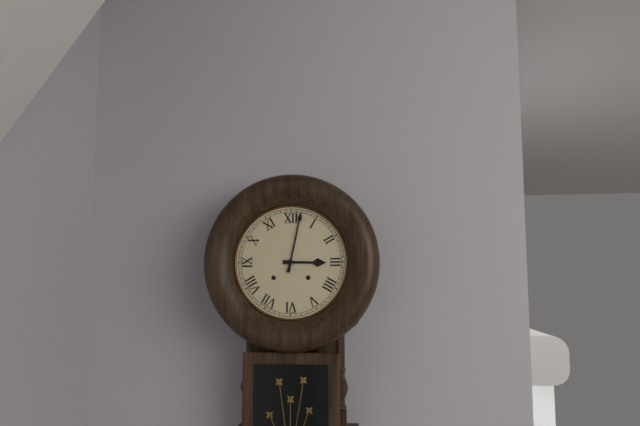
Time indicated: **3:02**
